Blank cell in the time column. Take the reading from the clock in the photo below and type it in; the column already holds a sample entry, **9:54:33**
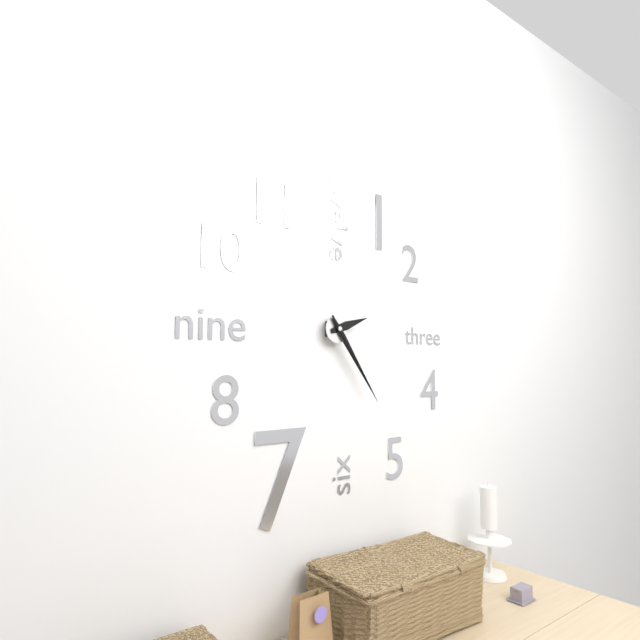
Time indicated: **2:24:24**
